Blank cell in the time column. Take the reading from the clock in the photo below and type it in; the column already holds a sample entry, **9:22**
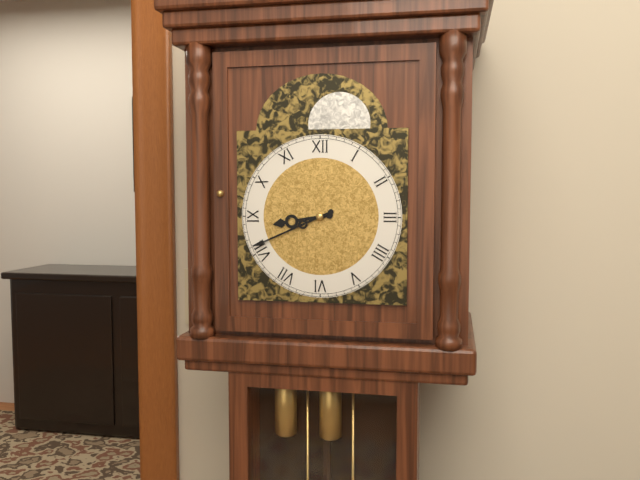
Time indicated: **8:41**
